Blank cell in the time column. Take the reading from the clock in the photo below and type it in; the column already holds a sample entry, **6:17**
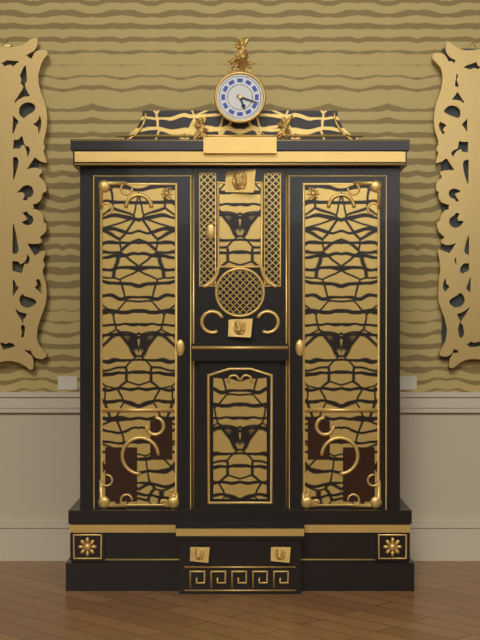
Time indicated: **5:18**
